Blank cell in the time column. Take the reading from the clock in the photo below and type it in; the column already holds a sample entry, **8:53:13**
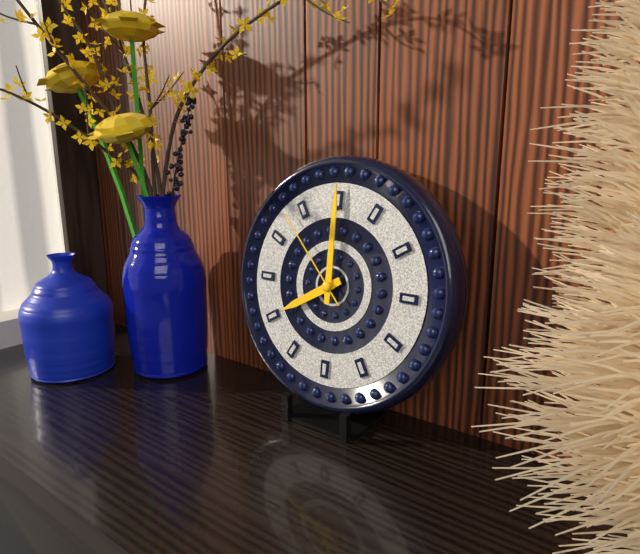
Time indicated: **8:00:53**
